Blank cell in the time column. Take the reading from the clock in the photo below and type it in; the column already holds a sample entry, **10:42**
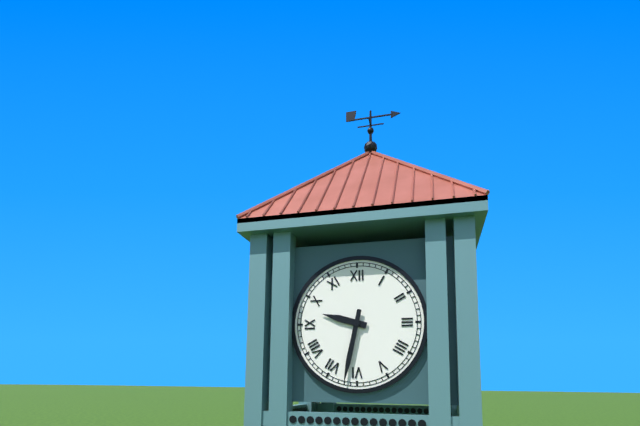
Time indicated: **9:32**
